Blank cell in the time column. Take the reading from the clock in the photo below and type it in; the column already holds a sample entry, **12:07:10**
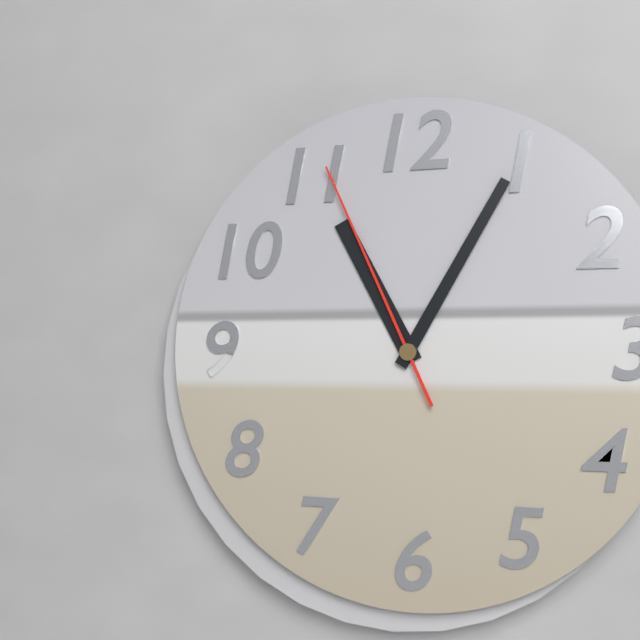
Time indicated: **11:05:56**
